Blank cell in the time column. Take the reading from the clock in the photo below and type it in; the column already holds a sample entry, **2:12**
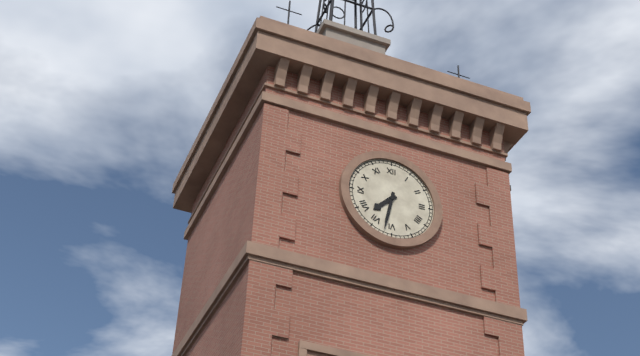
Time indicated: **7:32**
